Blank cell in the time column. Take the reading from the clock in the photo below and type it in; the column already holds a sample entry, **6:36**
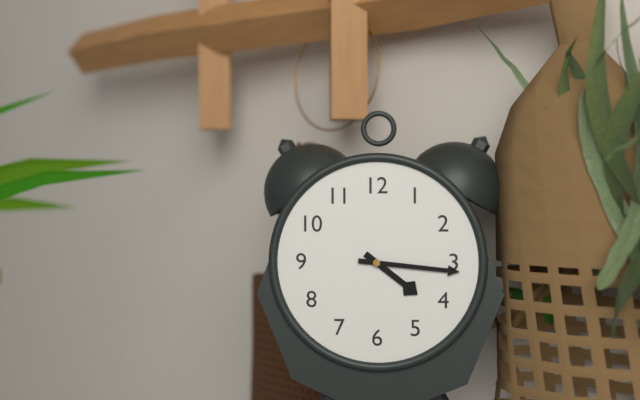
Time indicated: **4:16**
